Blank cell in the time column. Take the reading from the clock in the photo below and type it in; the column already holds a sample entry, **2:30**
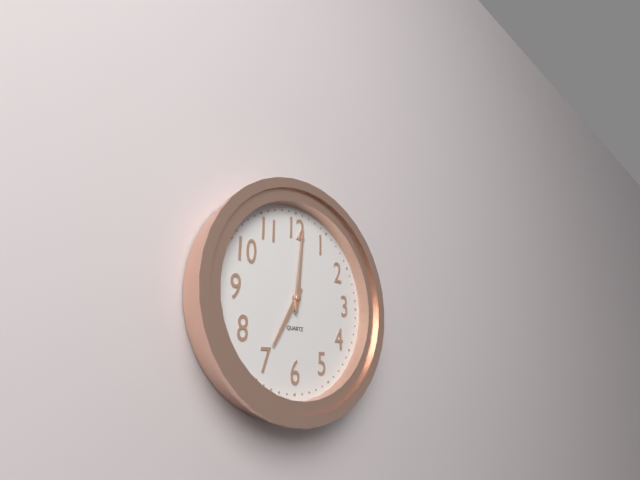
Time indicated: **7:01**
